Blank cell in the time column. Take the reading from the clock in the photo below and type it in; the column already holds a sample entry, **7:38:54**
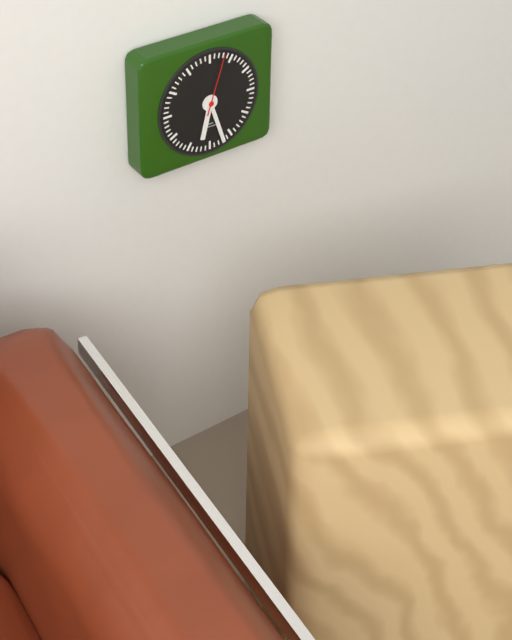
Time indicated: **6:27:03**
